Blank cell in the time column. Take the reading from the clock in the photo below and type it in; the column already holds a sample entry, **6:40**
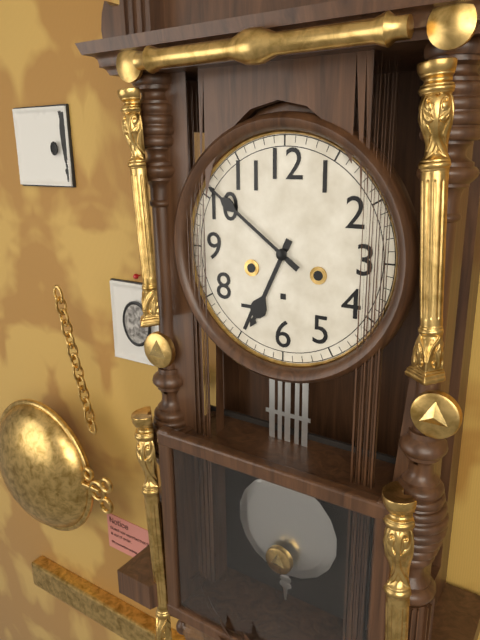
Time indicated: **6:51**
